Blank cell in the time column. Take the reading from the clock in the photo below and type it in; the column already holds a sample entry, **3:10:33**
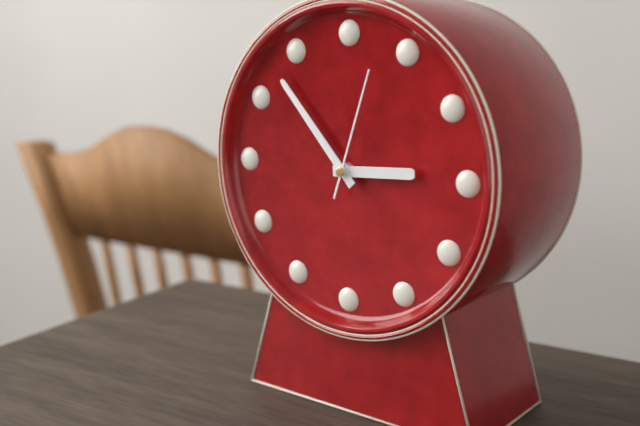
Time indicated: **2:53:03**
